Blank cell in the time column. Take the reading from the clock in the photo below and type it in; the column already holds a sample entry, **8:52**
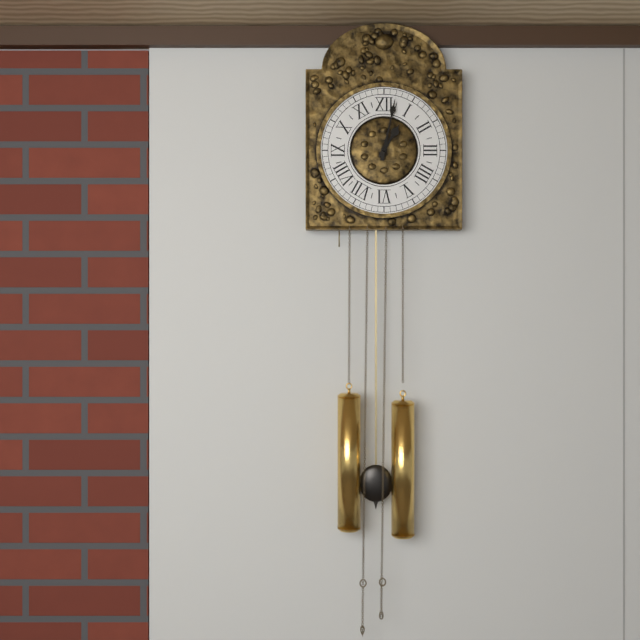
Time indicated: **1:02**
